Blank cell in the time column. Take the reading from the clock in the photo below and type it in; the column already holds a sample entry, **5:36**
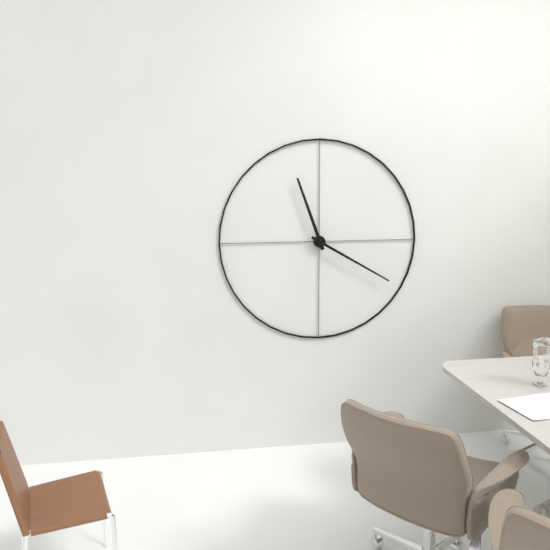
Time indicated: **11:20**
